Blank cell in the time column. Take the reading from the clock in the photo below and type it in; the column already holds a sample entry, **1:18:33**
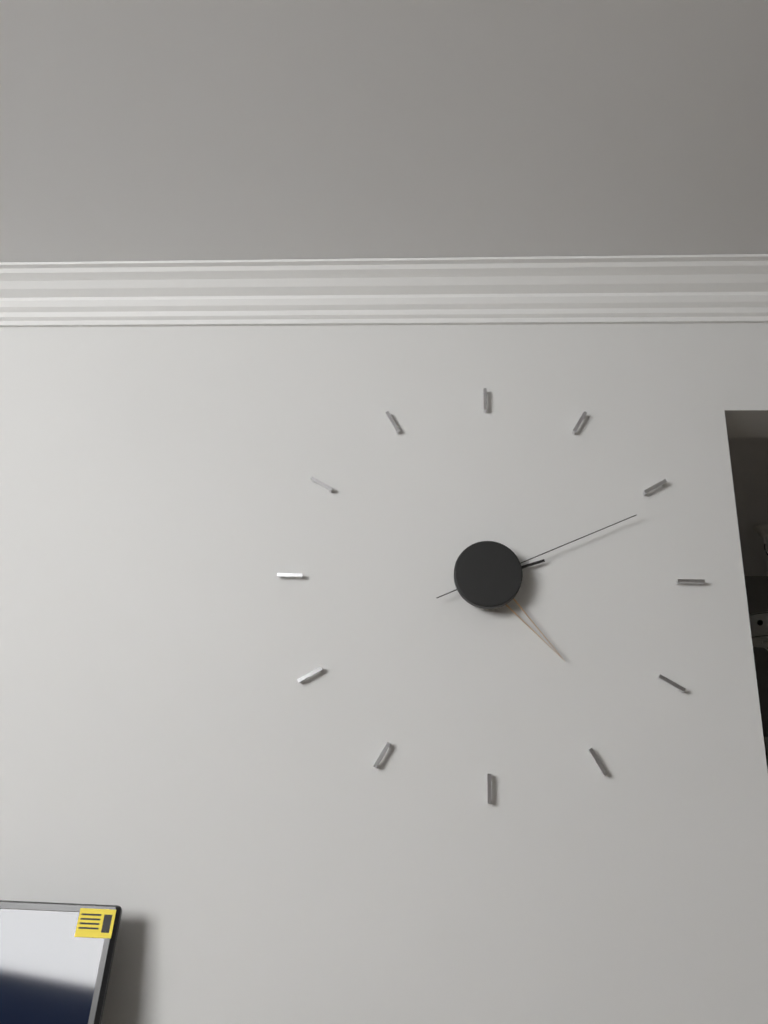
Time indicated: **2:23:11**
